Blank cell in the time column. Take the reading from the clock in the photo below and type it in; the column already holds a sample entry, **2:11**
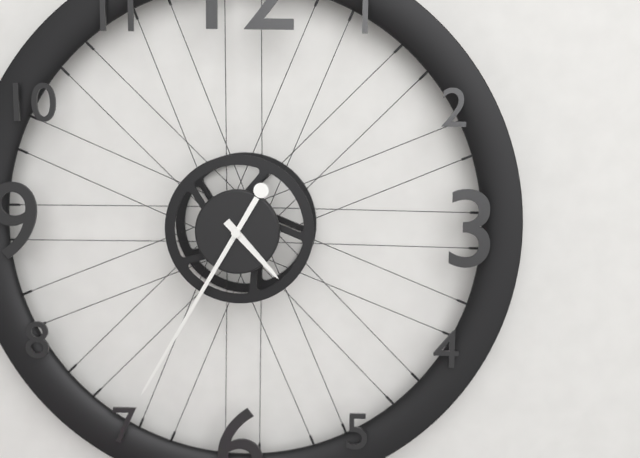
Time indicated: **4:35**
